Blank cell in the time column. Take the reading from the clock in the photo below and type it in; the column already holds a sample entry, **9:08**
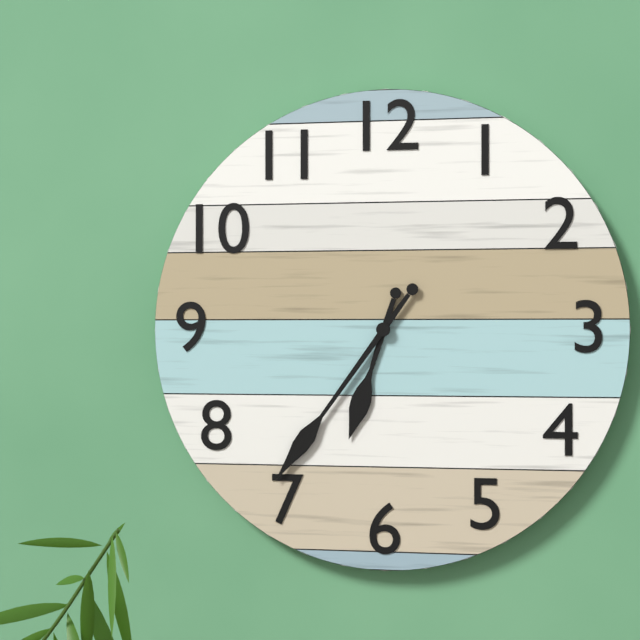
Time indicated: **6:36**
